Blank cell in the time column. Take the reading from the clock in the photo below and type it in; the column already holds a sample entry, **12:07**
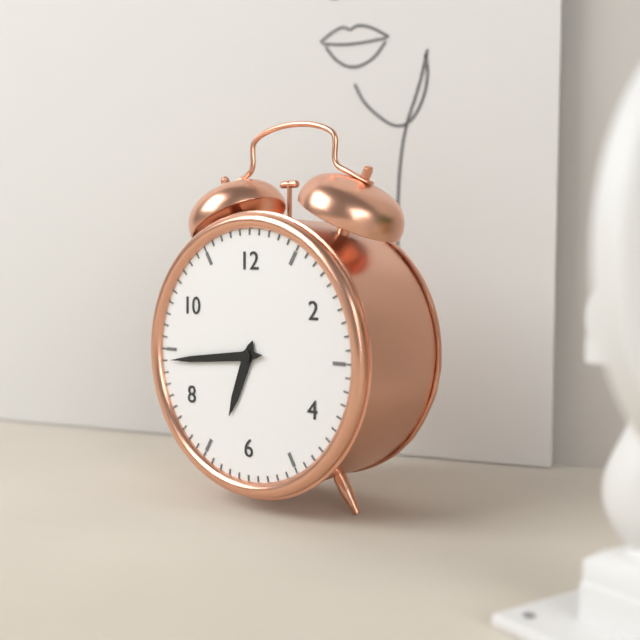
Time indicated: **6:44**
